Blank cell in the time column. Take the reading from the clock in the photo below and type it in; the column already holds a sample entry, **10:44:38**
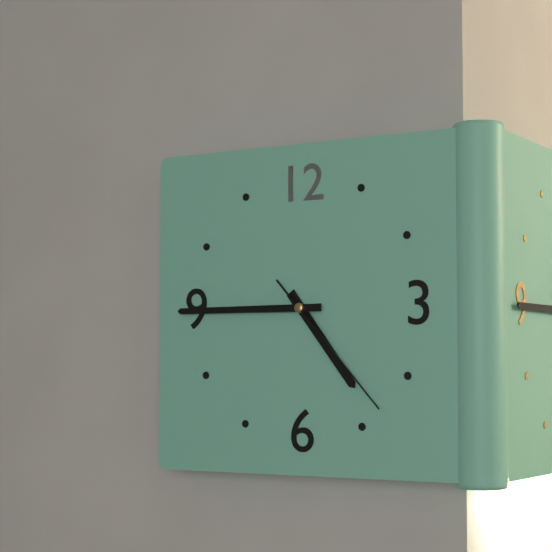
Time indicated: **4:45:23**
